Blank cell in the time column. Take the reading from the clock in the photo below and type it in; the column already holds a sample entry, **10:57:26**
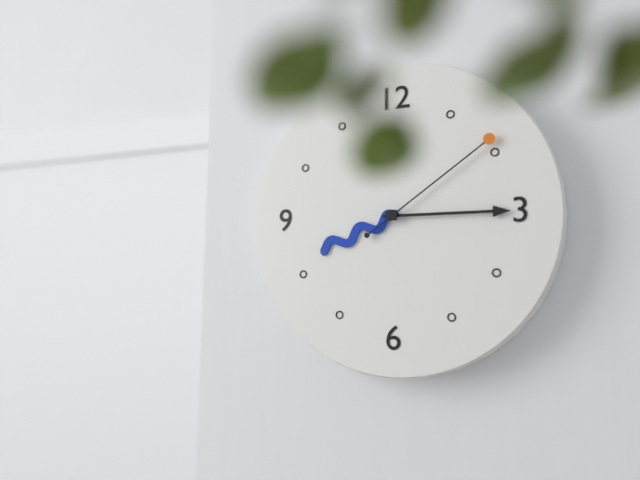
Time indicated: **8:15:09**
